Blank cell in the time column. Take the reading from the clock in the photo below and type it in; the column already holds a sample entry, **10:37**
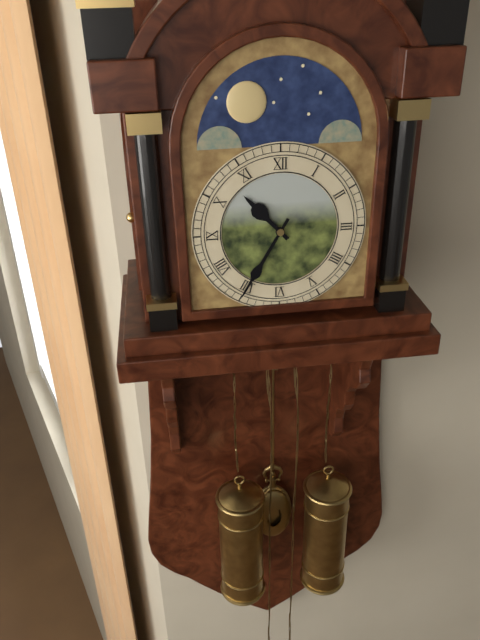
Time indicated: **10:35**
